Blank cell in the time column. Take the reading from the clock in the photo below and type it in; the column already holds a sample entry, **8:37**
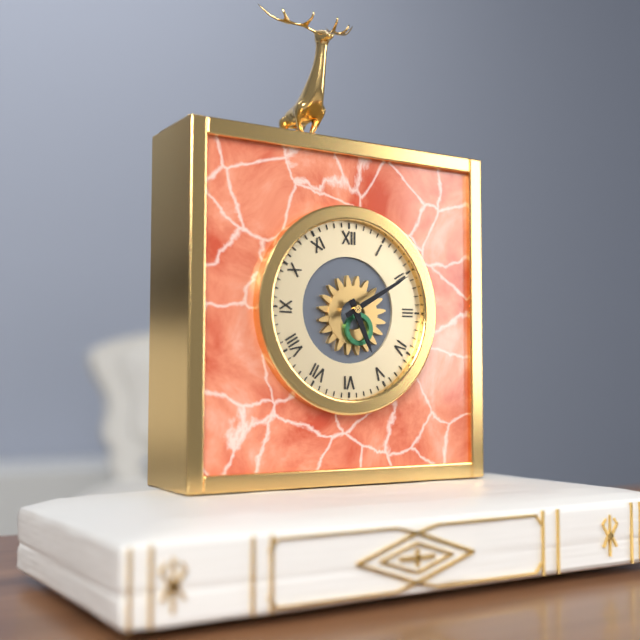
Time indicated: **5:10**
